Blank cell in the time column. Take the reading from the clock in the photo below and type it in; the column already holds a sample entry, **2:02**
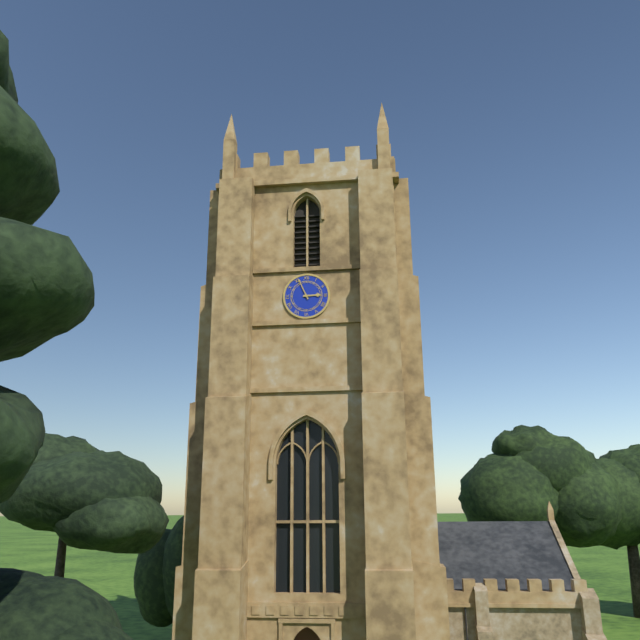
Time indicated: **2:56**
